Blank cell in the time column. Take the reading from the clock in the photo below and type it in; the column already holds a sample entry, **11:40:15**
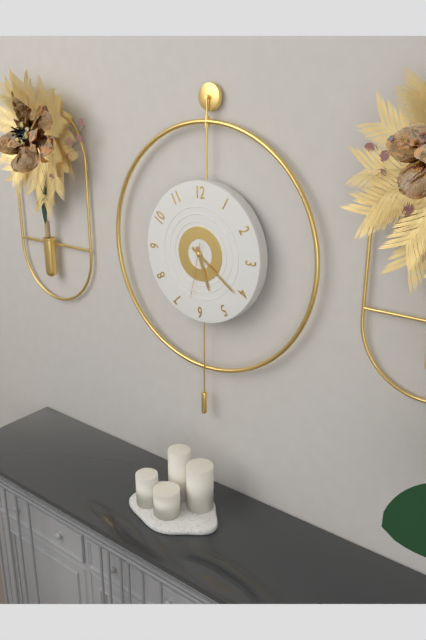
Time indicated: **5:21:32**
